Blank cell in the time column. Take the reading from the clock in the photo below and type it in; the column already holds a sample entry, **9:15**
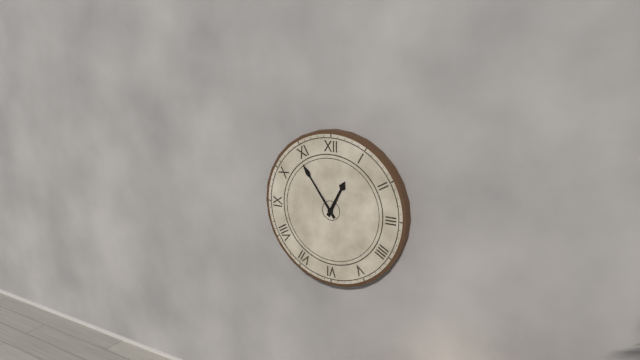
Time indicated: **12:54**
